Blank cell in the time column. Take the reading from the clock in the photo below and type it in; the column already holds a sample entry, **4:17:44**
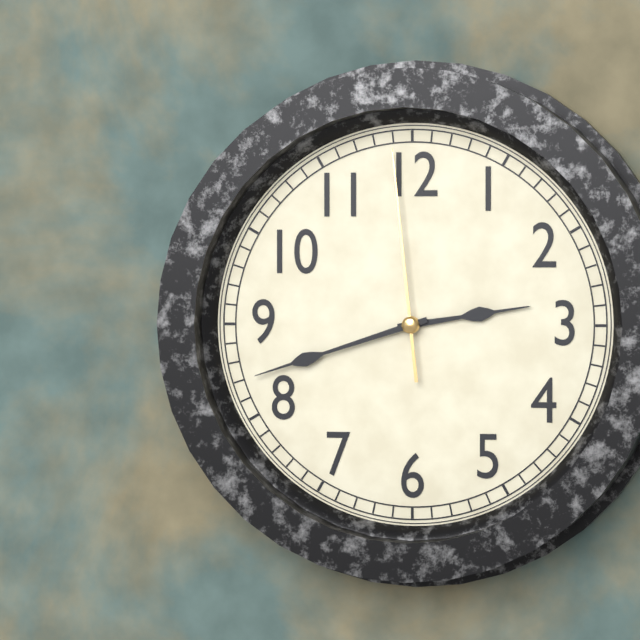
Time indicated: **2:42:59**
